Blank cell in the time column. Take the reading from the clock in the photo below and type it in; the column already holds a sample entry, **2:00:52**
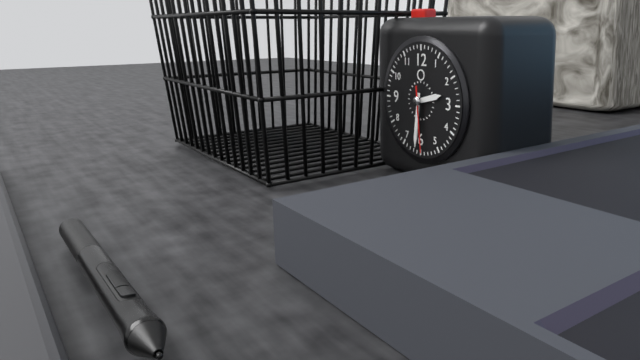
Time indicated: **2:31:29**
